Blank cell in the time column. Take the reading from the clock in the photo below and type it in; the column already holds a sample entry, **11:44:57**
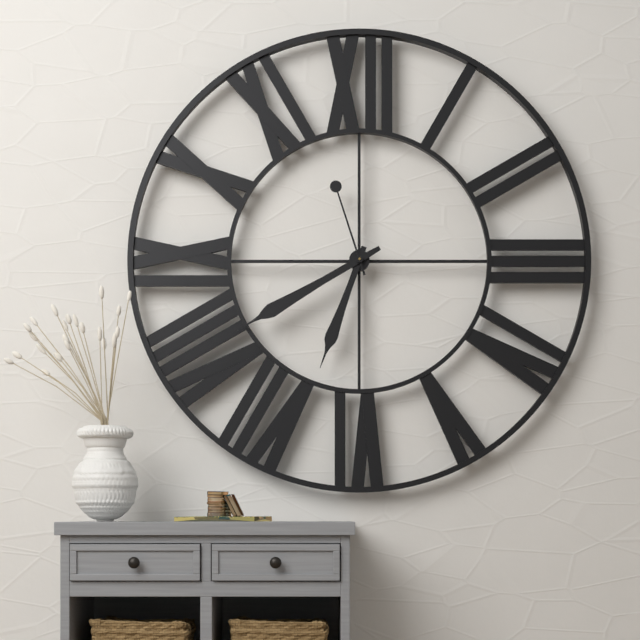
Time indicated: **6:40:57**
